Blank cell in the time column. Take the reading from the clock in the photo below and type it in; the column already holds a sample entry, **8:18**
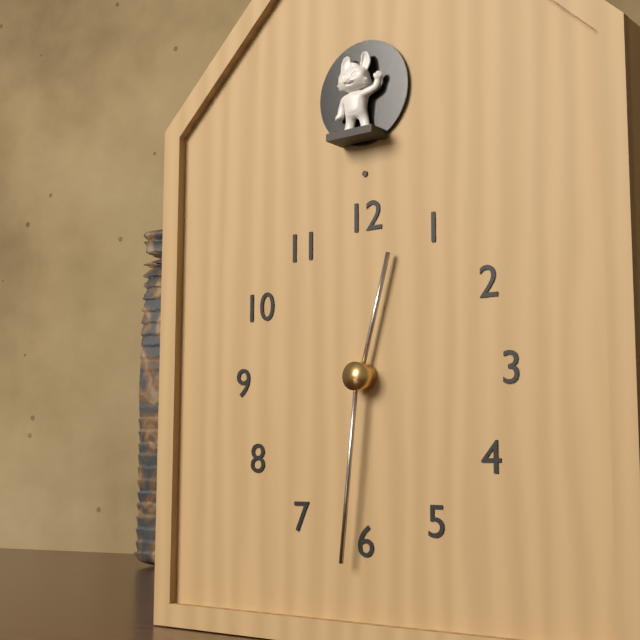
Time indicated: **12:31**
